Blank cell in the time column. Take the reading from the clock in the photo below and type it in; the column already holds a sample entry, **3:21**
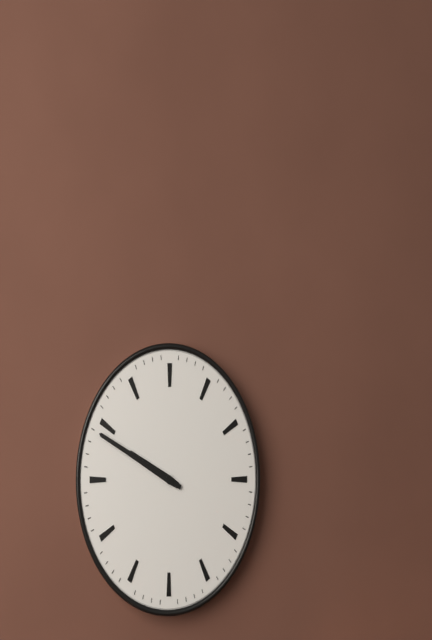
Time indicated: **9:49**
